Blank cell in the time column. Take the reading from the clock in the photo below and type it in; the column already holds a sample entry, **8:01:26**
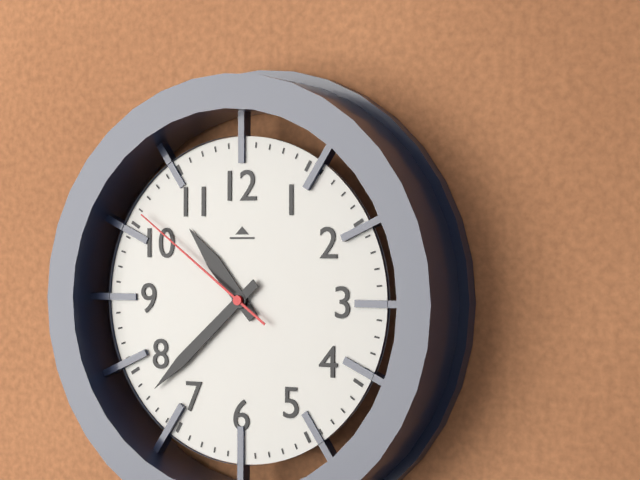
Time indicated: **10:38:51**
